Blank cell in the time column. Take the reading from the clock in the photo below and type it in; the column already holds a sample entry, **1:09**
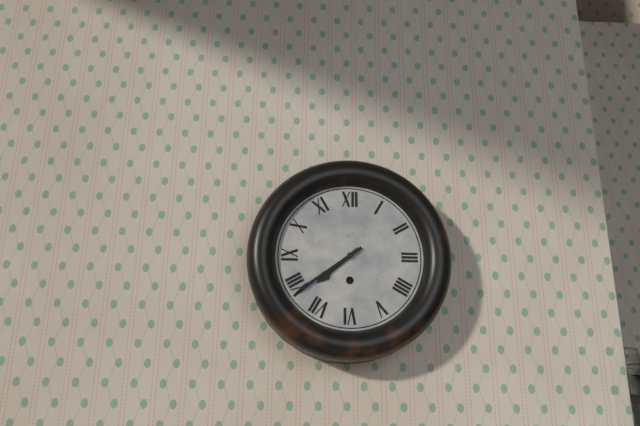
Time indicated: **7:39**
